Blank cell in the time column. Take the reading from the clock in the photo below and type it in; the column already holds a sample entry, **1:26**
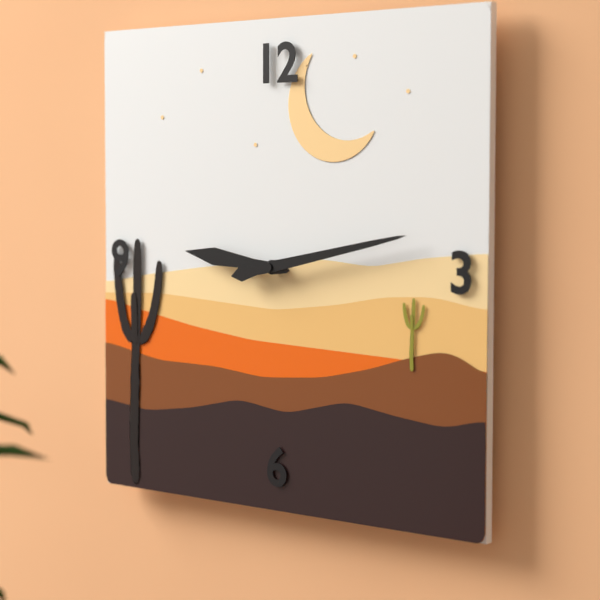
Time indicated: **9:13**
